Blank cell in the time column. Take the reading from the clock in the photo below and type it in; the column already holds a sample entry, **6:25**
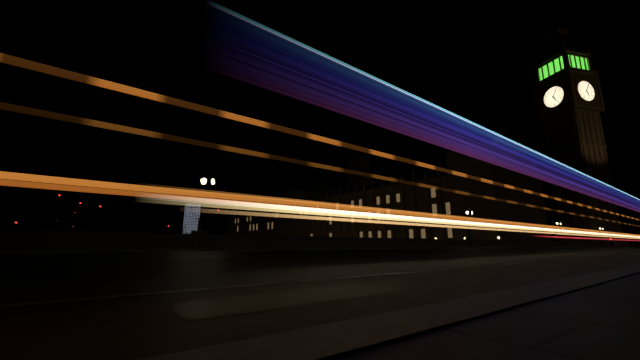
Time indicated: **5:05**
